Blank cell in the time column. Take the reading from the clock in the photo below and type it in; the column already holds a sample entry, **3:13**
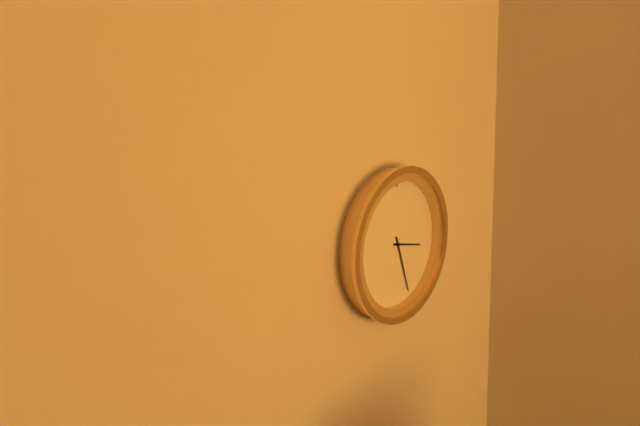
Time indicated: **3:27**
